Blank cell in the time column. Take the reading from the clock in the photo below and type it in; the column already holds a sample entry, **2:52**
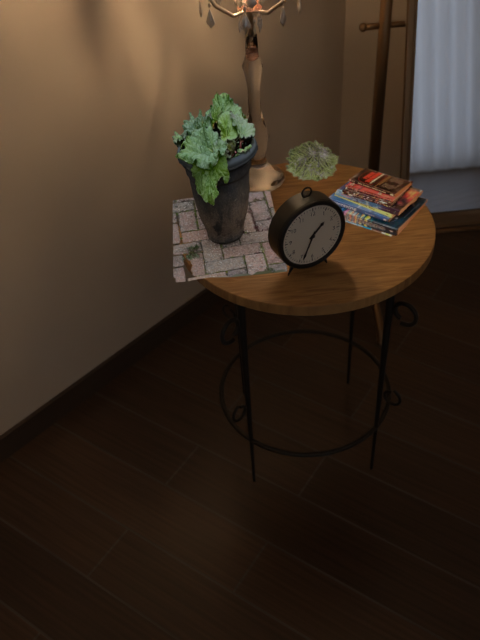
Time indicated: **1:34**
